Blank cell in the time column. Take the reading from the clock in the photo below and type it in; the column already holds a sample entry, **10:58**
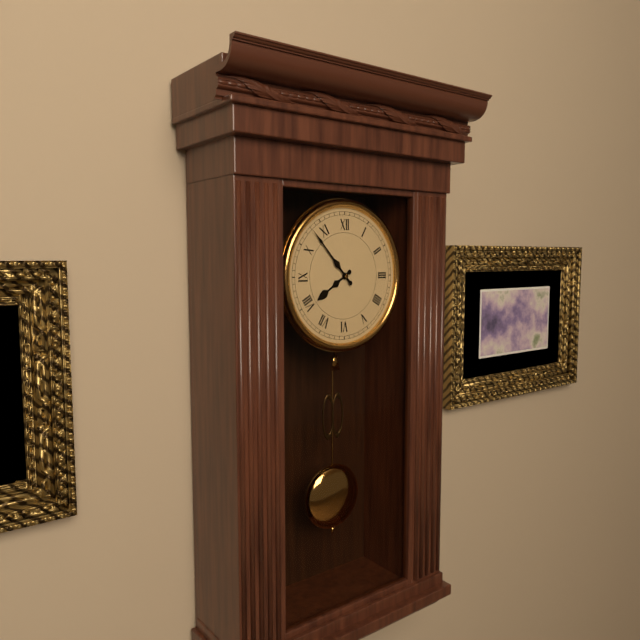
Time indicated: **7:53**
